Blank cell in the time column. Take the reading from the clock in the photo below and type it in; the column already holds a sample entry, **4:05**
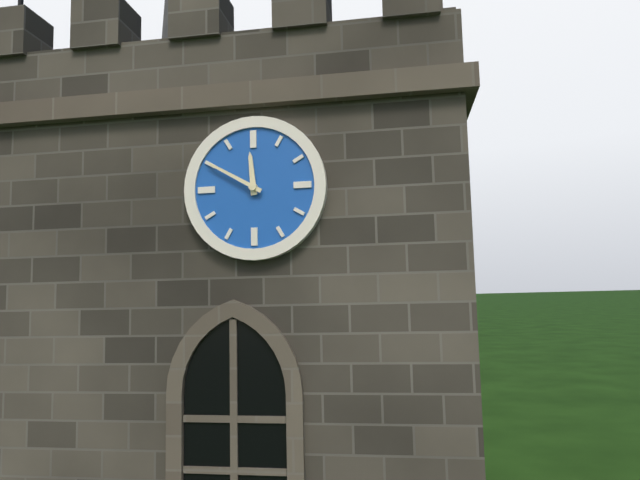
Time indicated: **11:50**
